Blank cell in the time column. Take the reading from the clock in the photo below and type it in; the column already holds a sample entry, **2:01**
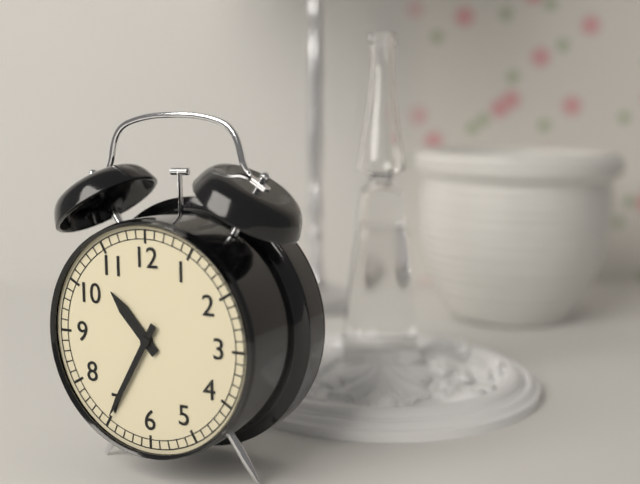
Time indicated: **10:35**
